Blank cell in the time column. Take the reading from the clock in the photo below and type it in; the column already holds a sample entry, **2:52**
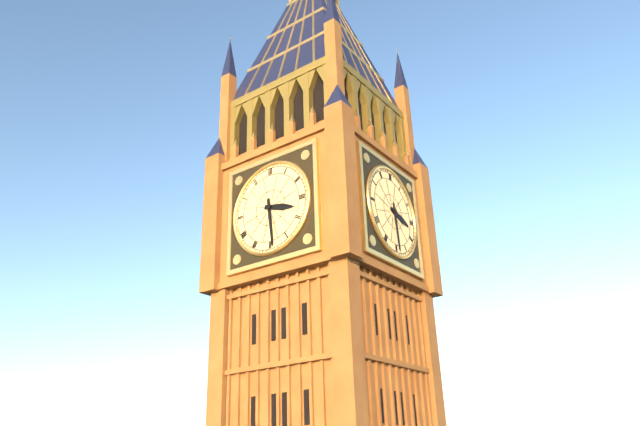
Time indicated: **3:29**
